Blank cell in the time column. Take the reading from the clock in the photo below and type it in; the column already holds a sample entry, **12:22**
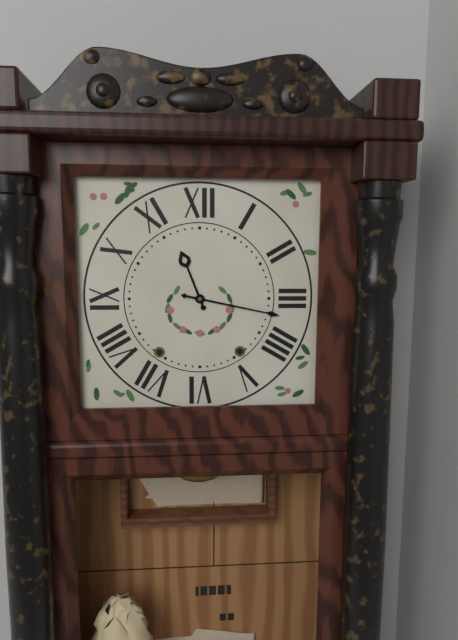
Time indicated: **11:17**
